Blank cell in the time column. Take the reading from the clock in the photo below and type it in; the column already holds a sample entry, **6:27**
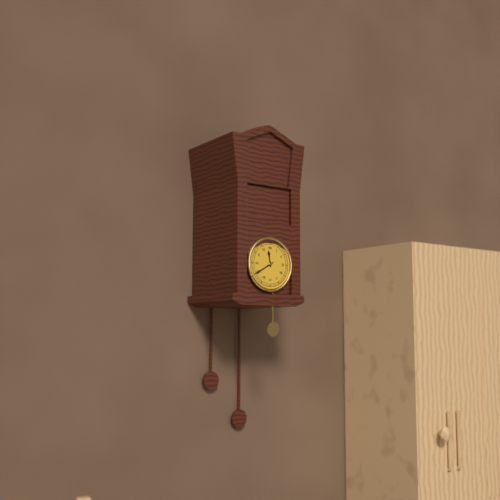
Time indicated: **11:40**
